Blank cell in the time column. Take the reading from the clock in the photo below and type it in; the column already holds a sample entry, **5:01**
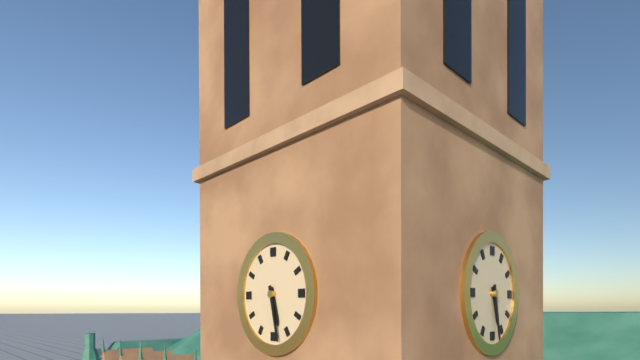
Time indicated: **5:28**
